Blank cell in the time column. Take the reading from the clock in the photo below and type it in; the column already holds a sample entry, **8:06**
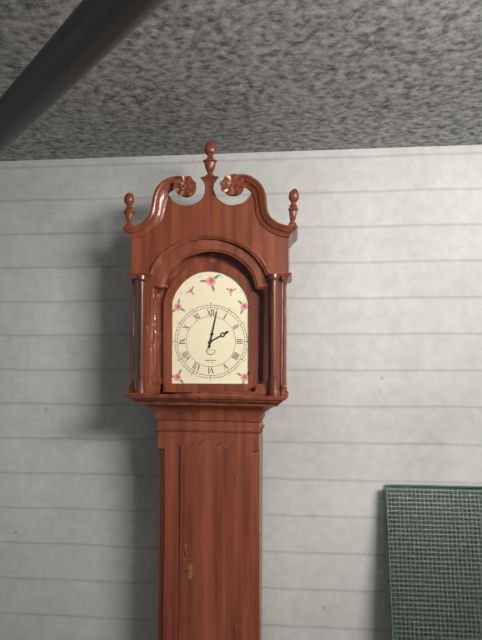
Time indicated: **2:02**
